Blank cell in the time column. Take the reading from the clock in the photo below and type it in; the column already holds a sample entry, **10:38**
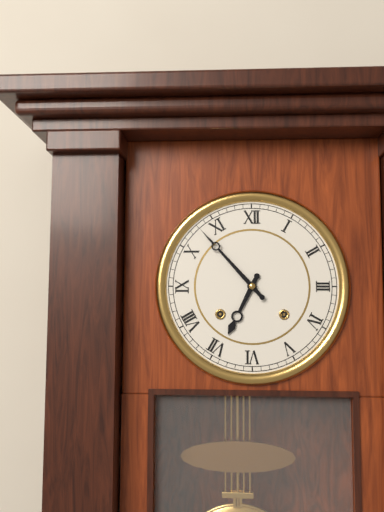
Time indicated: **6:53**
